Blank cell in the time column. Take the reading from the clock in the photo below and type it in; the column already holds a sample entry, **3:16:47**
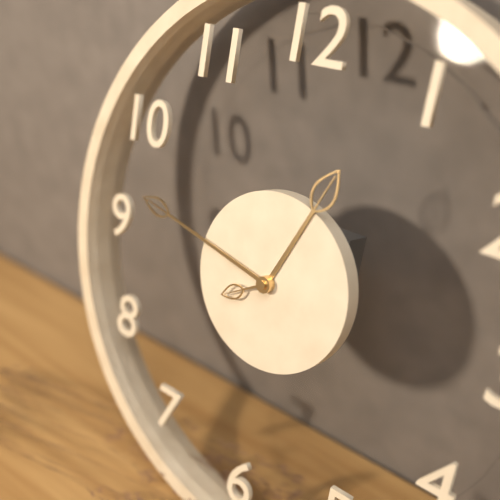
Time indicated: **12:47:40**
